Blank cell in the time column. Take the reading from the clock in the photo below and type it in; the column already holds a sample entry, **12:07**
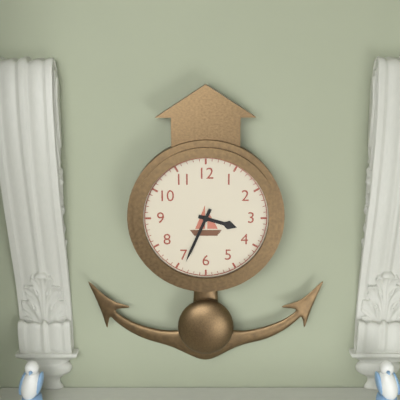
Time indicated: **3:34**
